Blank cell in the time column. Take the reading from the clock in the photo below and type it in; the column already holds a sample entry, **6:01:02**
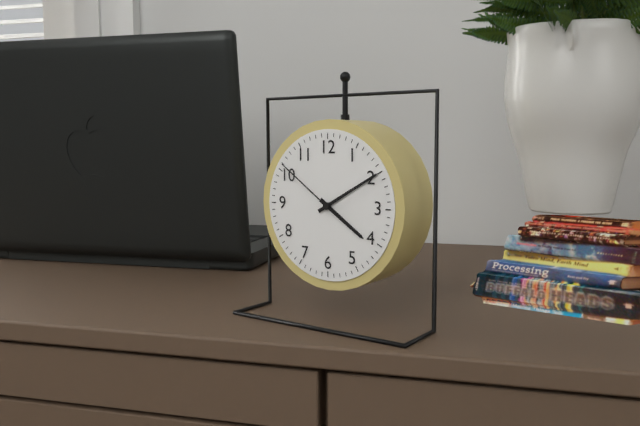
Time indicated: **4:10:51**
